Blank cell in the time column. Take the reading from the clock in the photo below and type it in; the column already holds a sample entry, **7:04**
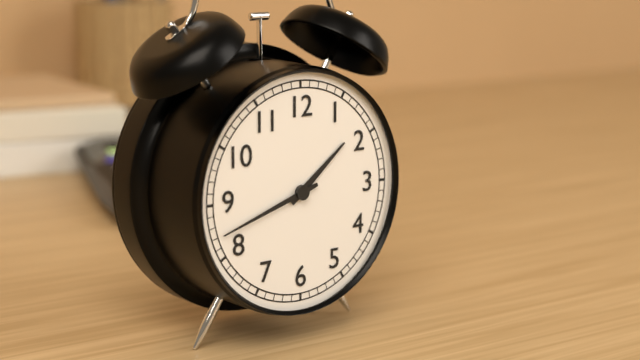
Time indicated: **1:42**
